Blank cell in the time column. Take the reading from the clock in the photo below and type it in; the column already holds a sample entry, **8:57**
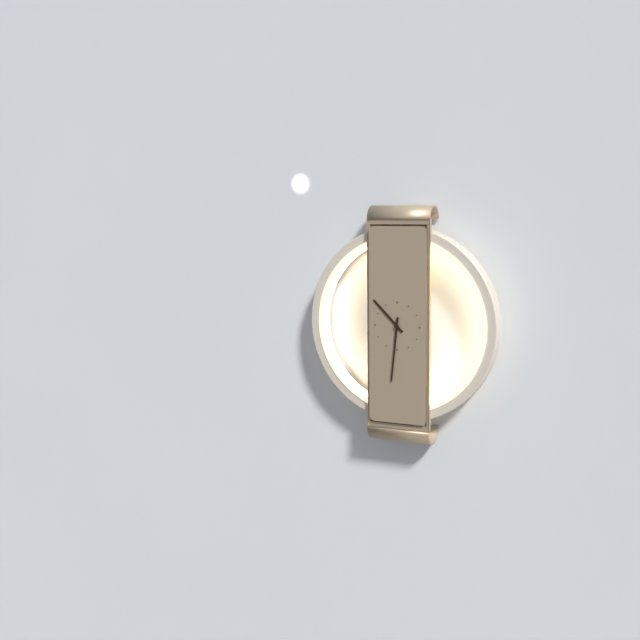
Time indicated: **10:31**
